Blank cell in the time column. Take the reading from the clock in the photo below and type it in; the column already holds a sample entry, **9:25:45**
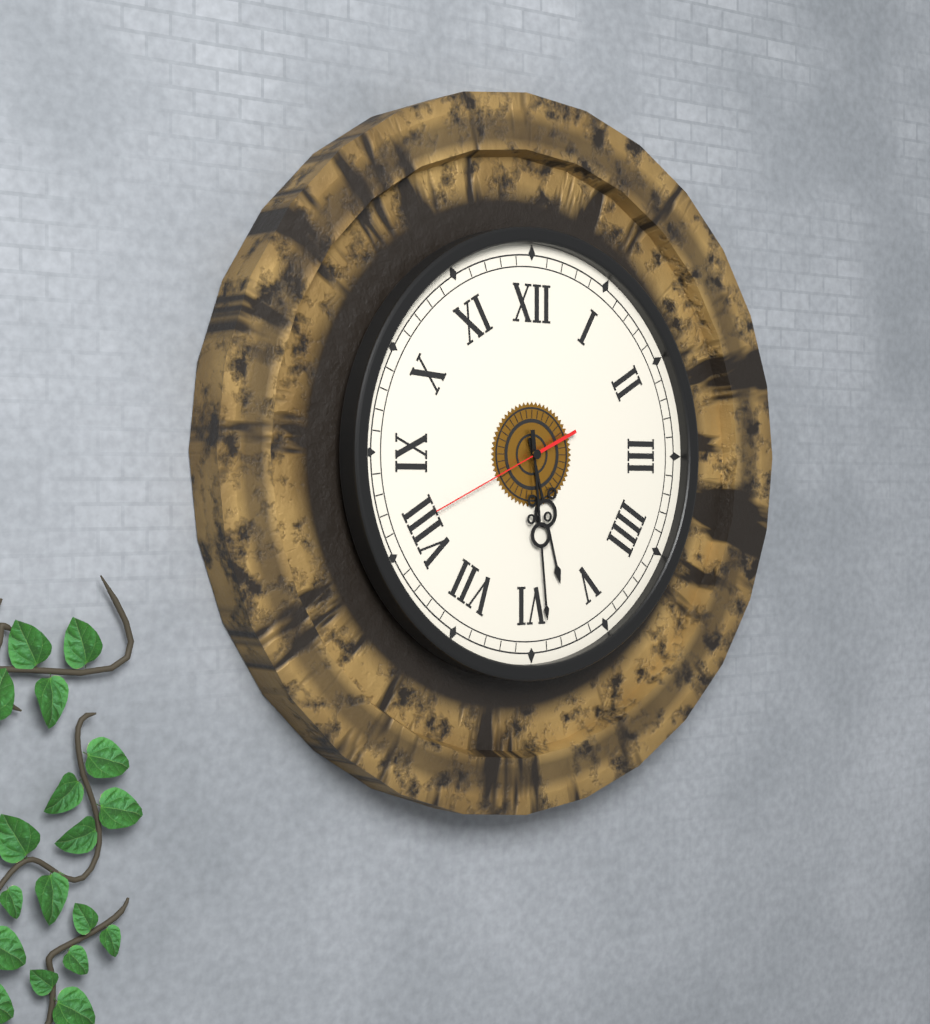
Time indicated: **5:29:41**
